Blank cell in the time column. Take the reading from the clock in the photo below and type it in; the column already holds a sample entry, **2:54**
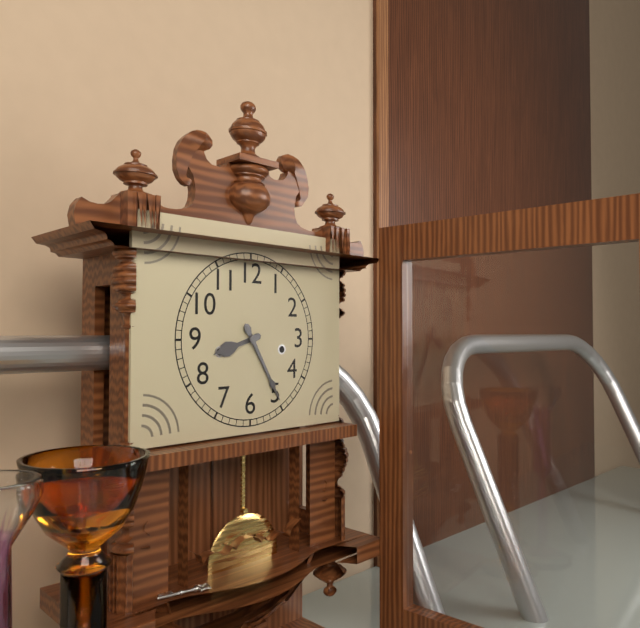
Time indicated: **8:25**
